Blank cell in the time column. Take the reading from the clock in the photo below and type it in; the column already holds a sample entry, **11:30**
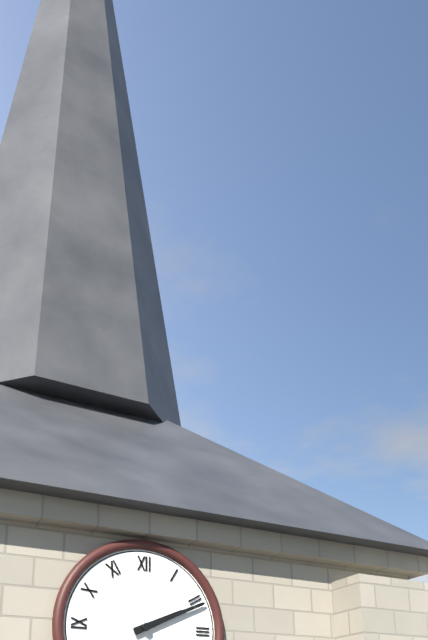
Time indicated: **2:11**
